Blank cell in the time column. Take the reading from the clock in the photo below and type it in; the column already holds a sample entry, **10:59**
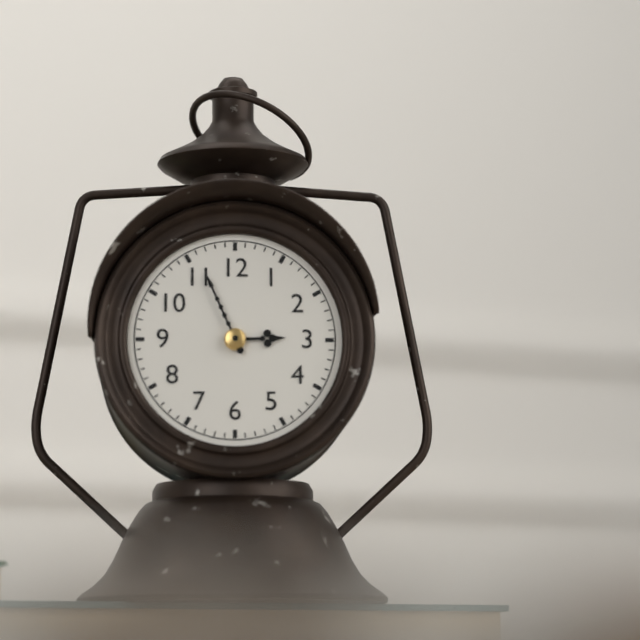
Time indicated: **2:56**
